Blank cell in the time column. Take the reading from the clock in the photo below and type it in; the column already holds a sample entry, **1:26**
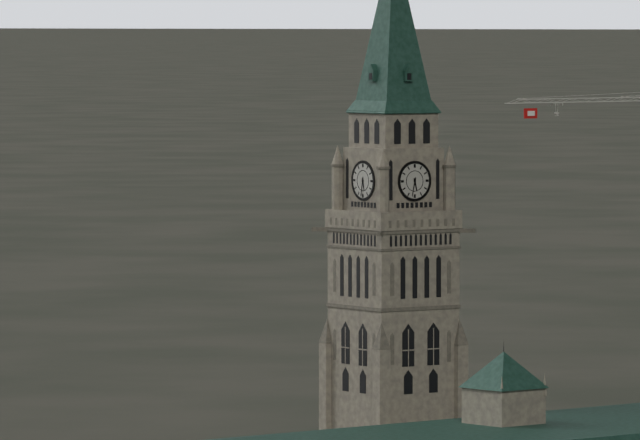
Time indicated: **5:32**
